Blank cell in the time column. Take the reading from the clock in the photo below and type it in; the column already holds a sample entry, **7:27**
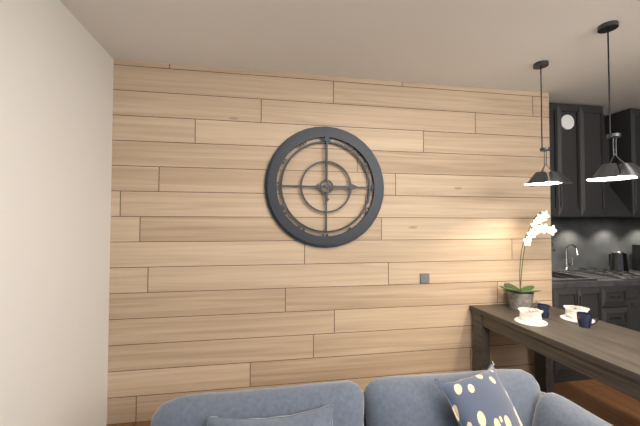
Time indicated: **3:00**
